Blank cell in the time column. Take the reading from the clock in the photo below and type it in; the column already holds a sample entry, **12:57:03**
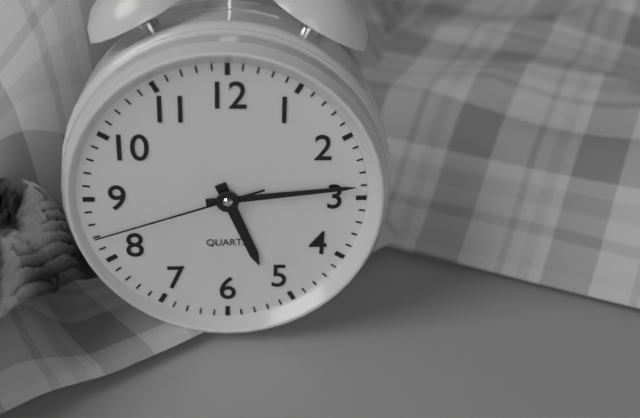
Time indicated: **5:14:42**
